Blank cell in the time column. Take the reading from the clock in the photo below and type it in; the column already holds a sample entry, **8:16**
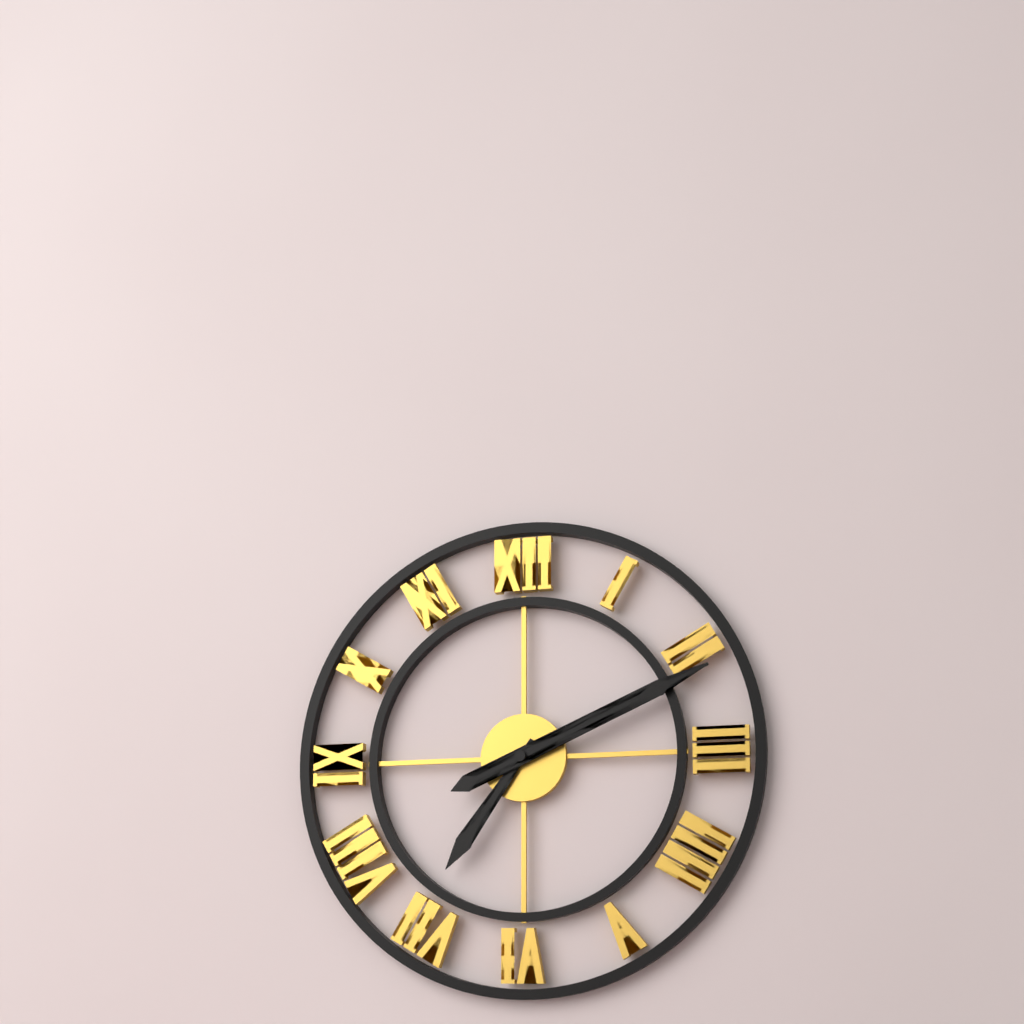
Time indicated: **7:11**
